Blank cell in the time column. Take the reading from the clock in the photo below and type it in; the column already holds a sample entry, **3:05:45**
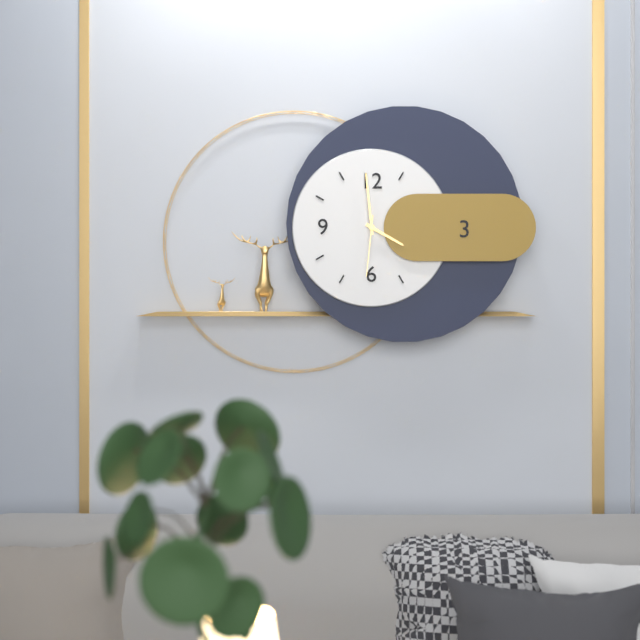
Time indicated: **3:59:31**
